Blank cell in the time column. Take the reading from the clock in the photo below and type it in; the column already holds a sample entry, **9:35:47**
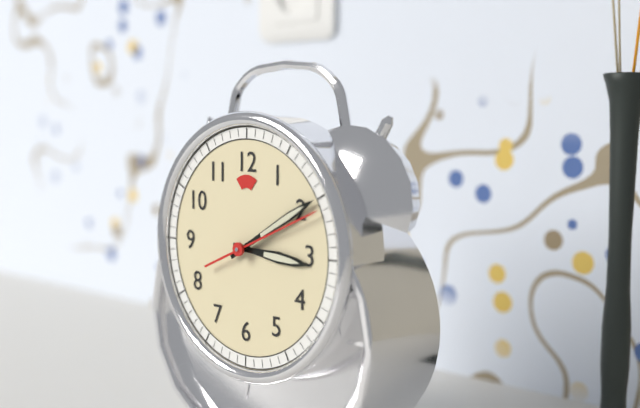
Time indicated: **3:10:11**
